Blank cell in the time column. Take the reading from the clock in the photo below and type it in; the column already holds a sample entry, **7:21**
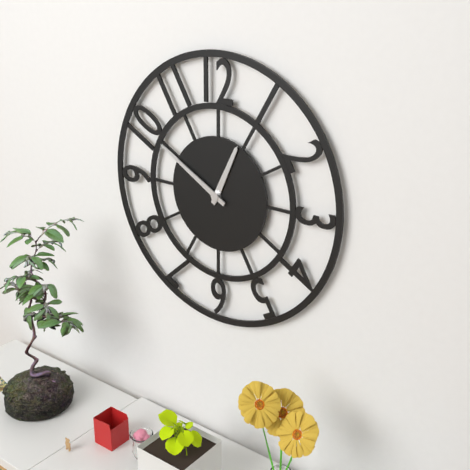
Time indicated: **12:50**
